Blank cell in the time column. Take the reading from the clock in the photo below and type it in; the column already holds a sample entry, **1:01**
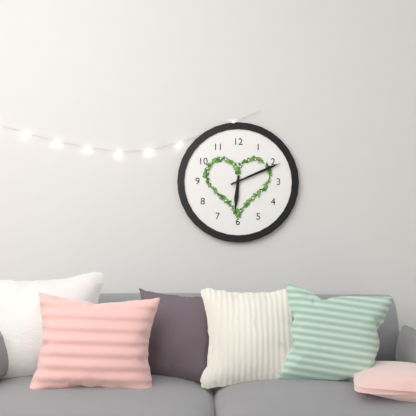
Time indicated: **6:11**
